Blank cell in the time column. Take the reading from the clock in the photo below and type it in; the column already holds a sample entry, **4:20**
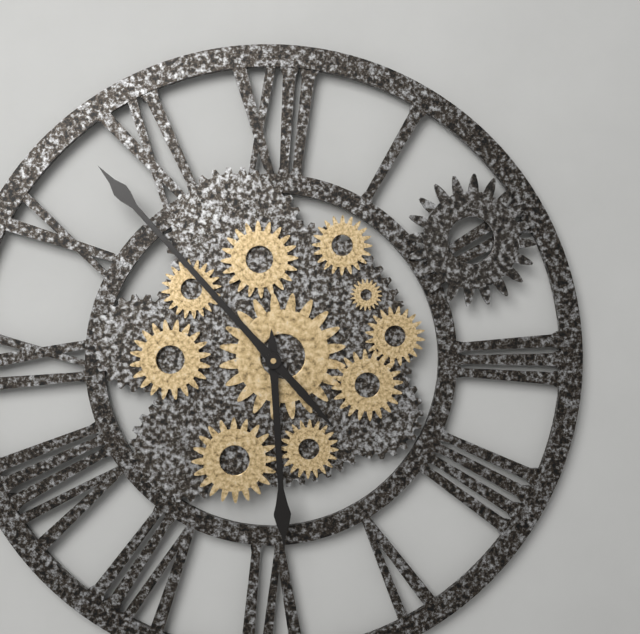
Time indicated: **5:53**
